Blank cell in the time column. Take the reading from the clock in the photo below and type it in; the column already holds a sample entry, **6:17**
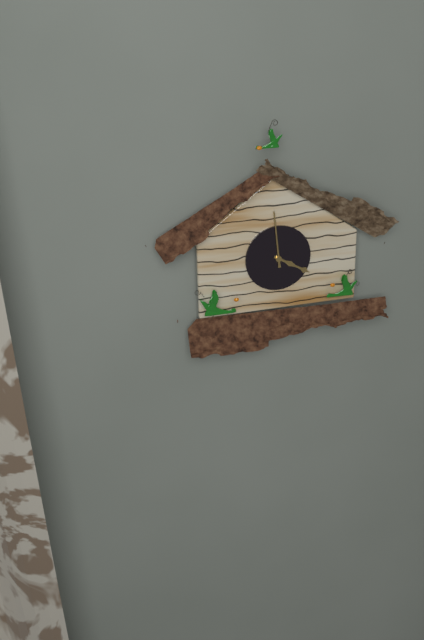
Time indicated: **3:59**
